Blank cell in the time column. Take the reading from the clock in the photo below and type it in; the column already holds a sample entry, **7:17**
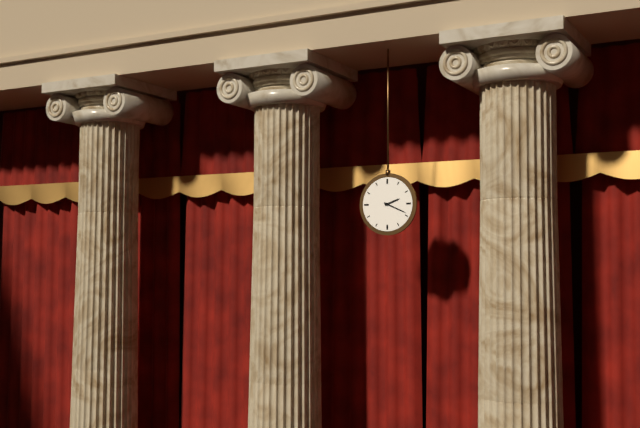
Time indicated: **2:19**
